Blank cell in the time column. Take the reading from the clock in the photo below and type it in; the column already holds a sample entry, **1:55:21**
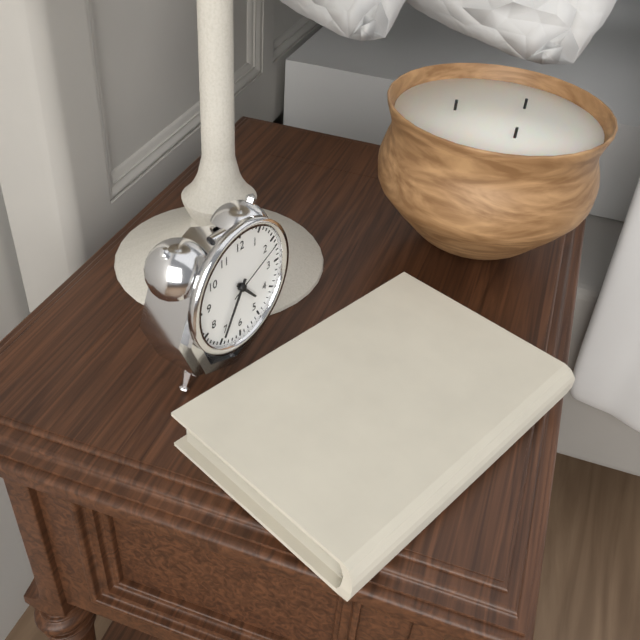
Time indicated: **4:35:11**
